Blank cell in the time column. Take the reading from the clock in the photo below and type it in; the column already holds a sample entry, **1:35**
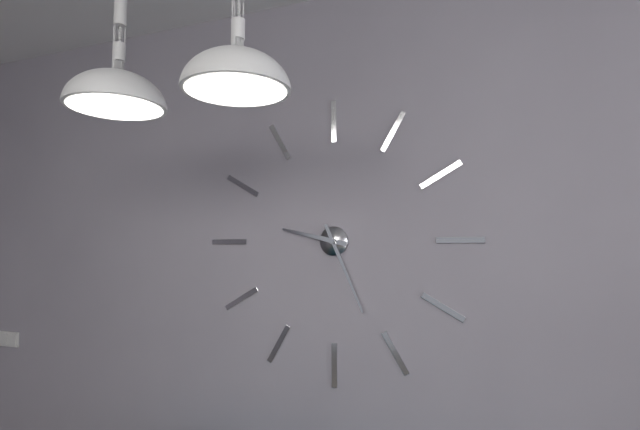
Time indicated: **9:26**
